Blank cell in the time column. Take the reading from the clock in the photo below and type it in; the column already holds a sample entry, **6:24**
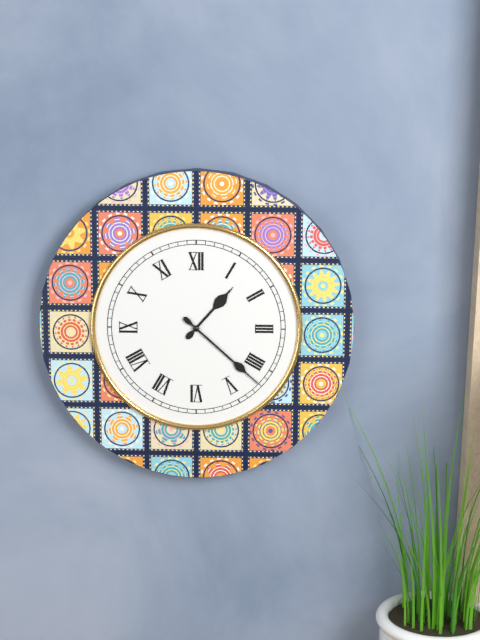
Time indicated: **1:22**
